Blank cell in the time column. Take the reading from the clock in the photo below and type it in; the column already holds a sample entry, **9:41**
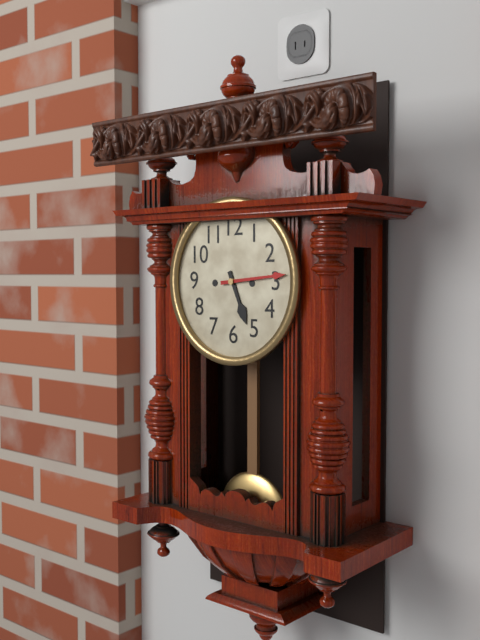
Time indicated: **5:14**
